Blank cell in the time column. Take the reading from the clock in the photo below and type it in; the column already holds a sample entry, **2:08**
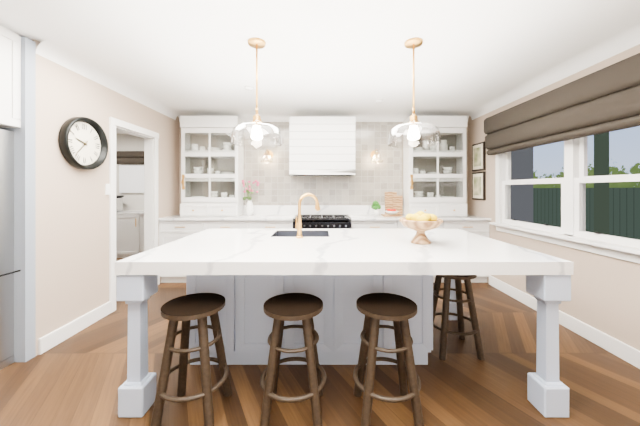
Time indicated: **9:37**
